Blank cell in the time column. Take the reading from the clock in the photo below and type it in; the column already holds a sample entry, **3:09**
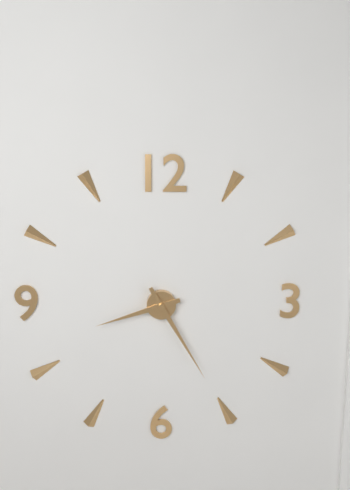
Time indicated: **8:25**
